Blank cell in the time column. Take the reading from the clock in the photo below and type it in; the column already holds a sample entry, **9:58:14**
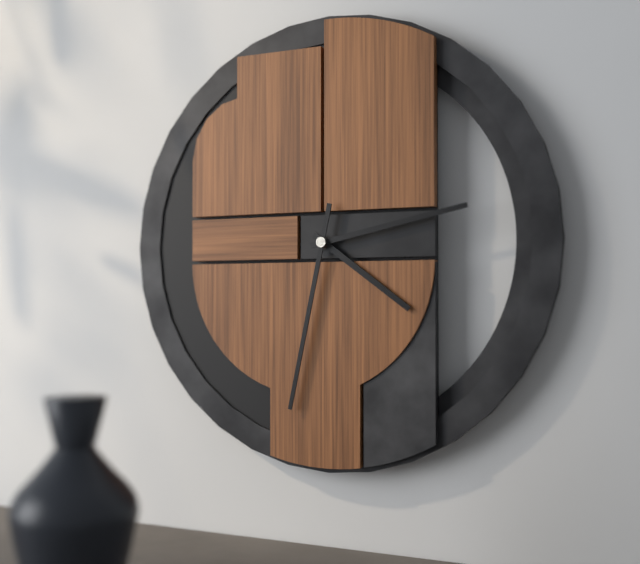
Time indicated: **4:13:32**
